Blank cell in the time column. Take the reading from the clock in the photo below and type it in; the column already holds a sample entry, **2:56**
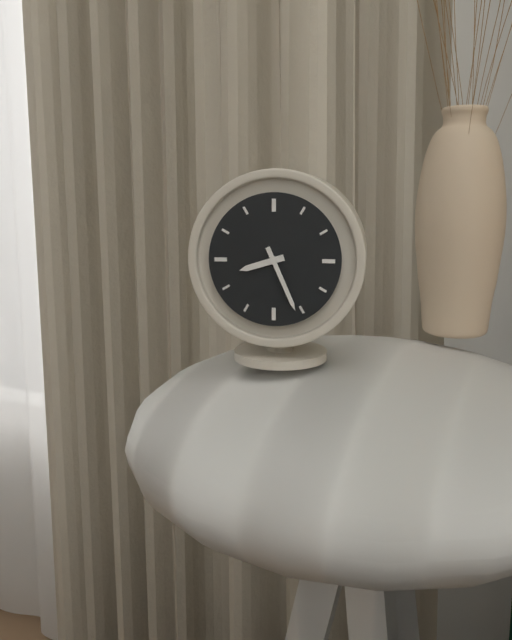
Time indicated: **8:26**
